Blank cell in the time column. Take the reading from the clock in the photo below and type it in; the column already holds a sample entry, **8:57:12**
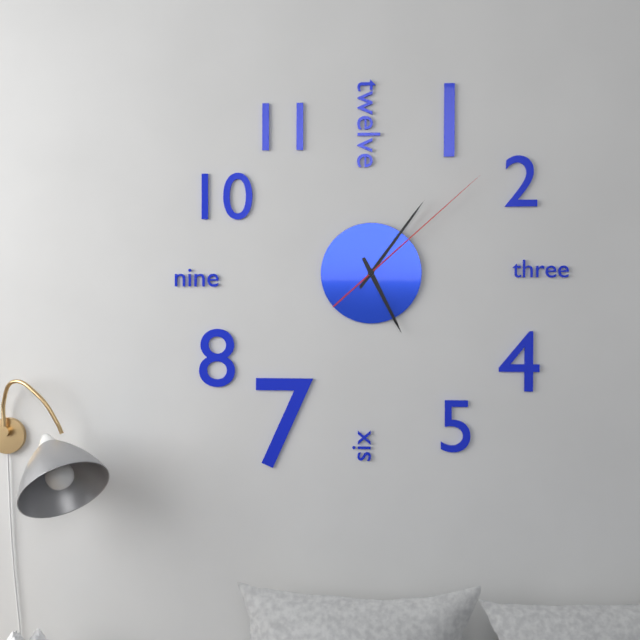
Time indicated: **5:06:08**
